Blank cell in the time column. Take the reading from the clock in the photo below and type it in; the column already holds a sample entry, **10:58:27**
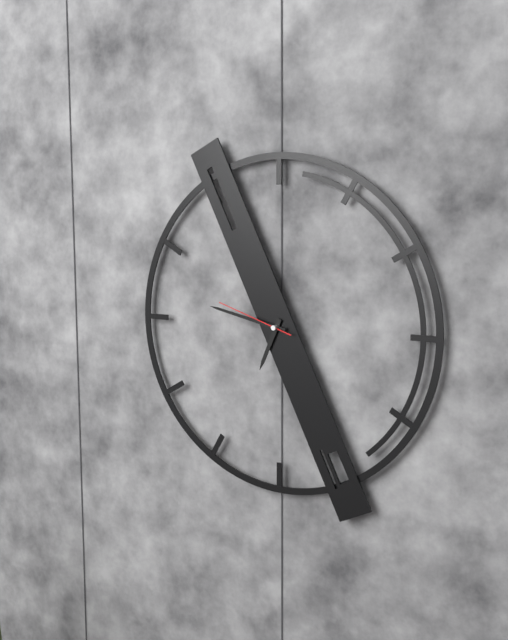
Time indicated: **6:47:48**
